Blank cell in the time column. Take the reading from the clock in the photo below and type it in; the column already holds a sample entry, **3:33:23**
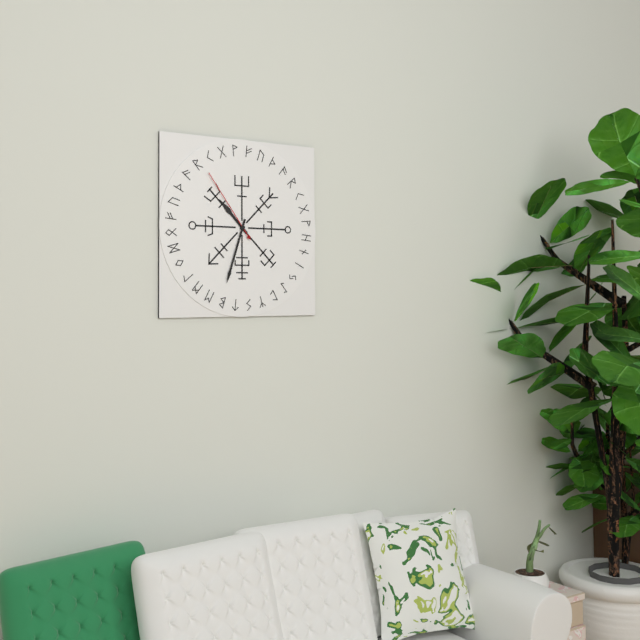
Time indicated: **10:33:54**
